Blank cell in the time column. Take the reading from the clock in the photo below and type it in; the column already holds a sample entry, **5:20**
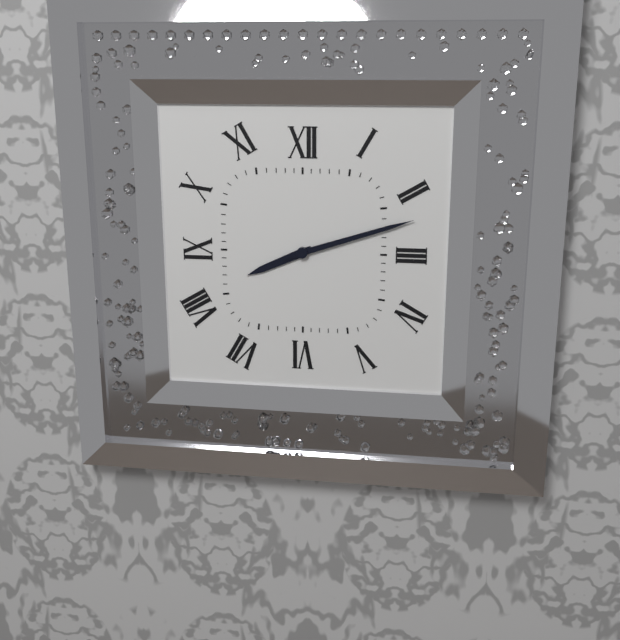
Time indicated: **8:12**
